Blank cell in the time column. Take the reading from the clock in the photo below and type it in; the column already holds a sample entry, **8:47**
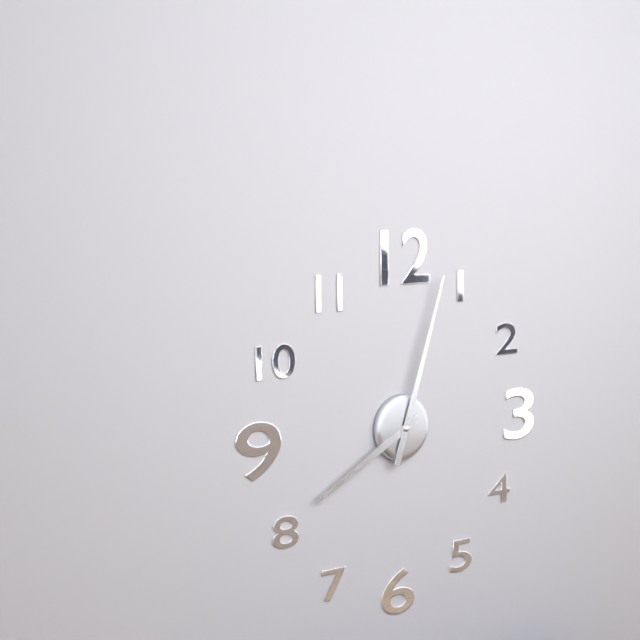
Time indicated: **8:03**
